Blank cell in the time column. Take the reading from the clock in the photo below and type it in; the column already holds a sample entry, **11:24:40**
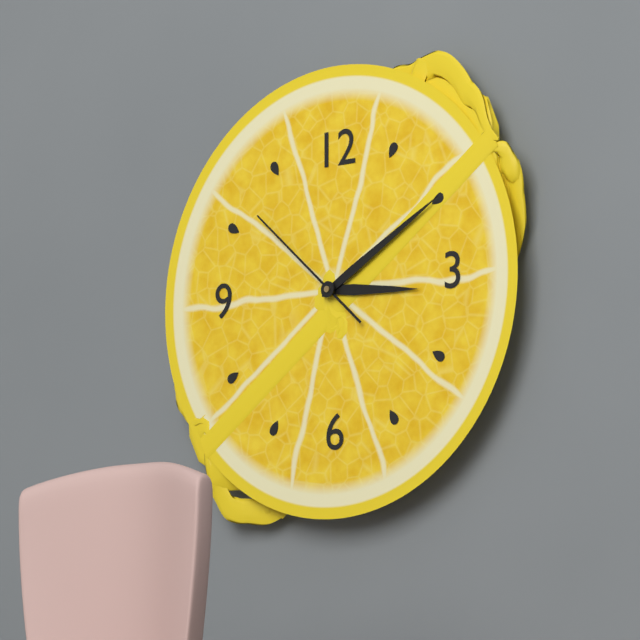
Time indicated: **3:10:52**
